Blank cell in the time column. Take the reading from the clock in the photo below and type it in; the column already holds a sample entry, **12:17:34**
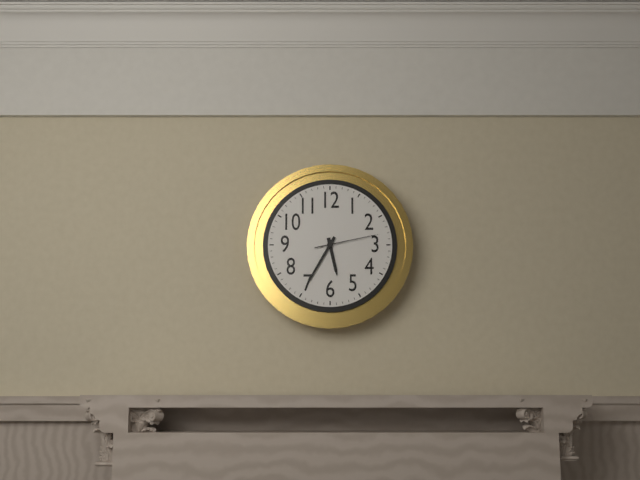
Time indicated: **5:35:13**
